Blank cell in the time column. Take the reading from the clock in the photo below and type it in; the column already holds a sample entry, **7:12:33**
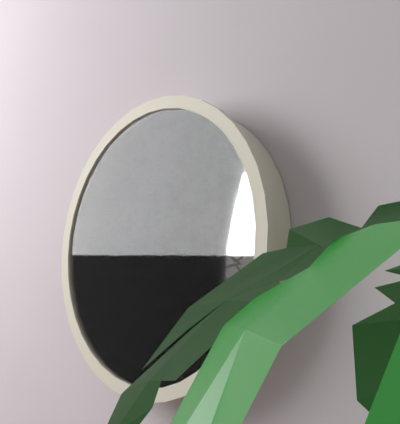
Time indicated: **1:04:40**
